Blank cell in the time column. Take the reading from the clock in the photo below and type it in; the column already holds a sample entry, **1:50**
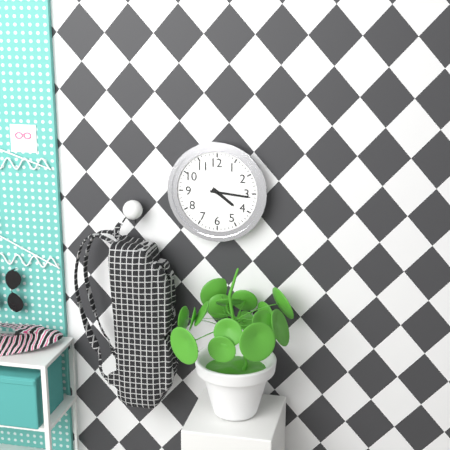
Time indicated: **4:16**
